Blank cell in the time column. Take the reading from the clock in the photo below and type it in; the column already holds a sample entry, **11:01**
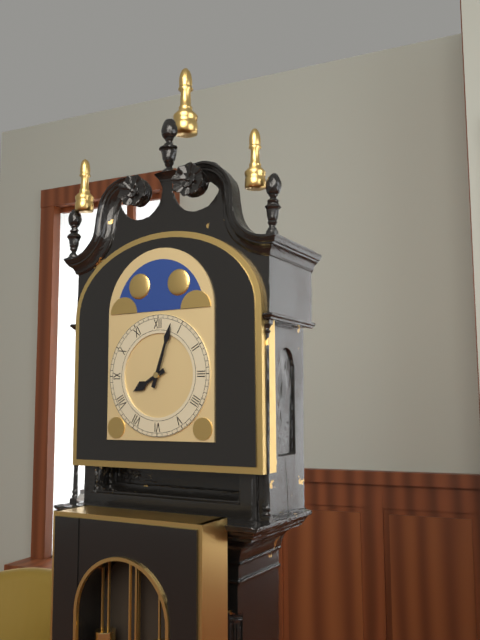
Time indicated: **8:03**
